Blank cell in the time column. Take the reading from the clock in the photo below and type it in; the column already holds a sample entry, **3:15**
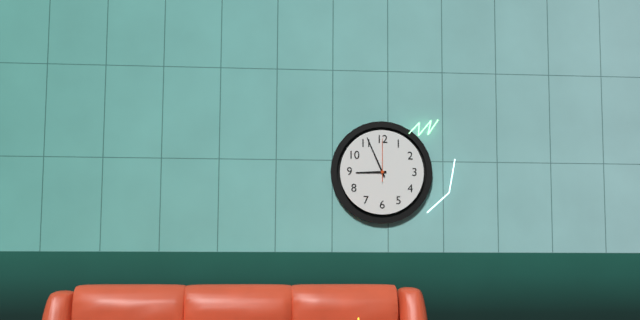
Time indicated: **8:56**
